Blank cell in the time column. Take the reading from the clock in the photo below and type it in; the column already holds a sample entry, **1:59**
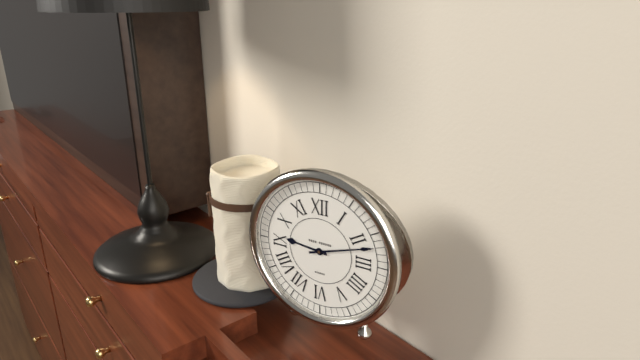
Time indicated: **9:12**
